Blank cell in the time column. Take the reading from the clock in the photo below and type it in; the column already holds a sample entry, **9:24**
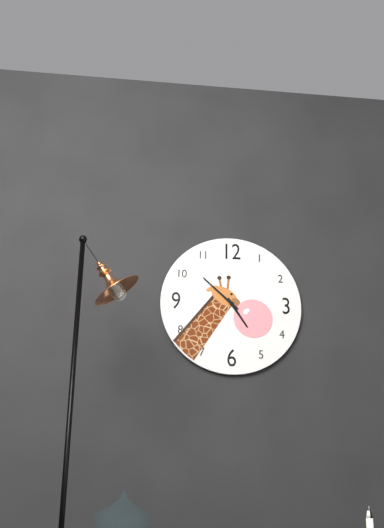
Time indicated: **4:52**
